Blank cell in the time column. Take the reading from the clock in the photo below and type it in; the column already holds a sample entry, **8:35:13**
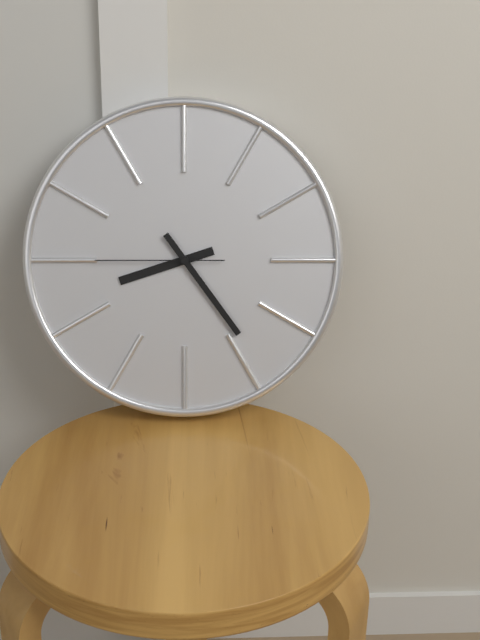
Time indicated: **8:24:45**
